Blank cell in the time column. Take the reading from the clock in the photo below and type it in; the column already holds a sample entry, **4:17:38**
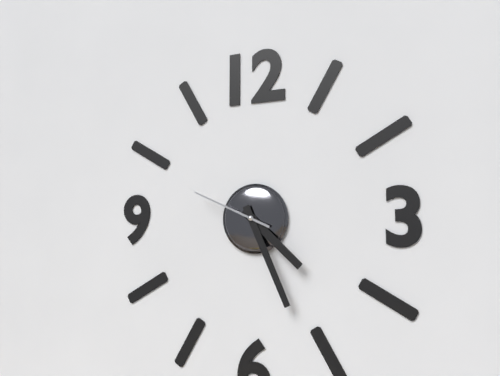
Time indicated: **4:26:49**
